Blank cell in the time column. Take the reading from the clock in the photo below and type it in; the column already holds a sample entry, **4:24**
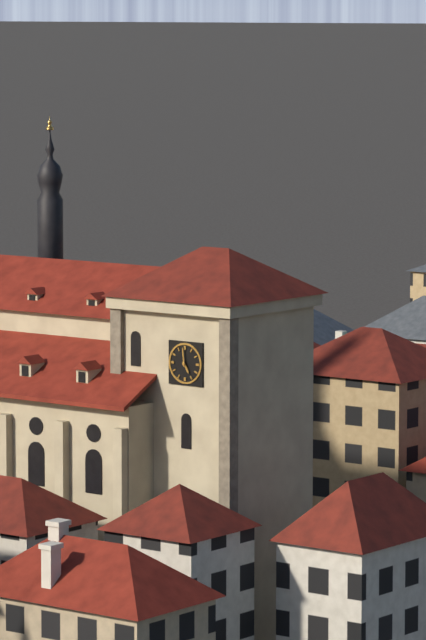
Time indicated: **4:59**
